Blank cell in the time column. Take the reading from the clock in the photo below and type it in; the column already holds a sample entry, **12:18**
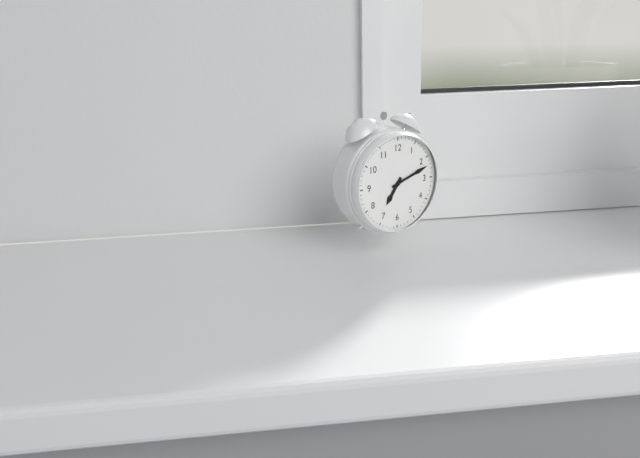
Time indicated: **7:12**
